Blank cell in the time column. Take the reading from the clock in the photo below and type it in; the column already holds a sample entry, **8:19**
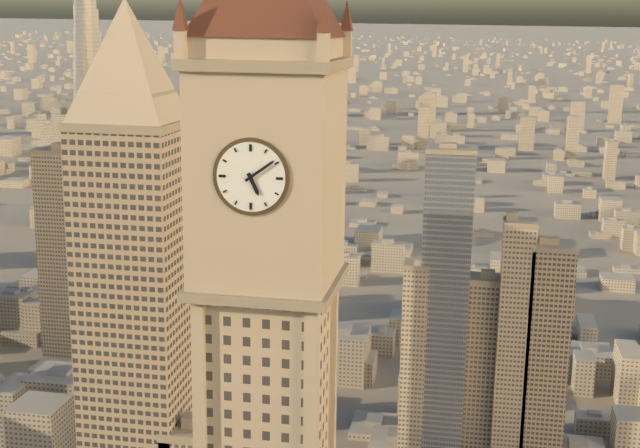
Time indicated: **5:09**
